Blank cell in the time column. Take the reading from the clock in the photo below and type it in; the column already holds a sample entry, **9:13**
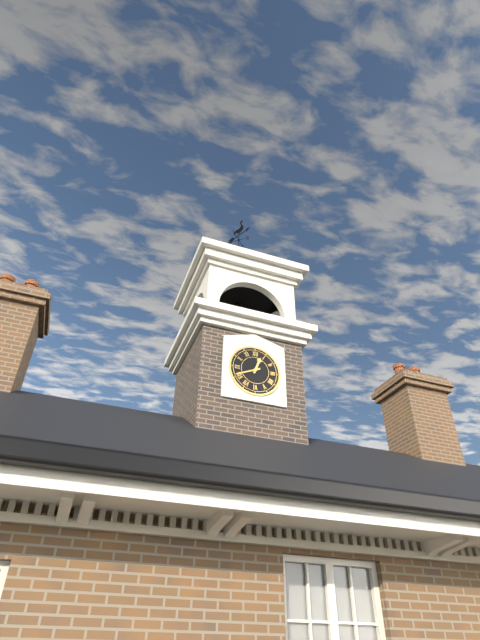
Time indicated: **12:41**
